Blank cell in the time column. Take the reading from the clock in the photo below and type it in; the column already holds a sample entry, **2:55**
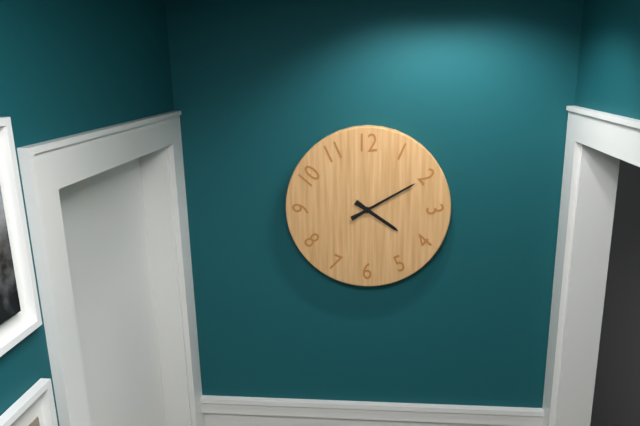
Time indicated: **4:10**
